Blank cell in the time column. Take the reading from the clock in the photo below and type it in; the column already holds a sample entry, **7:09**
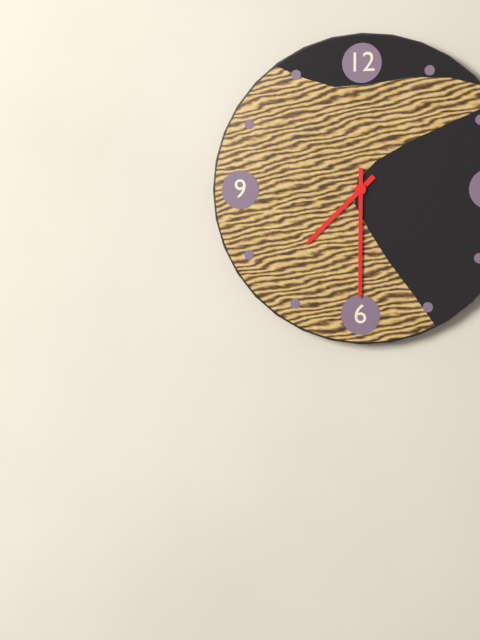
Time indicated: **7:30**
